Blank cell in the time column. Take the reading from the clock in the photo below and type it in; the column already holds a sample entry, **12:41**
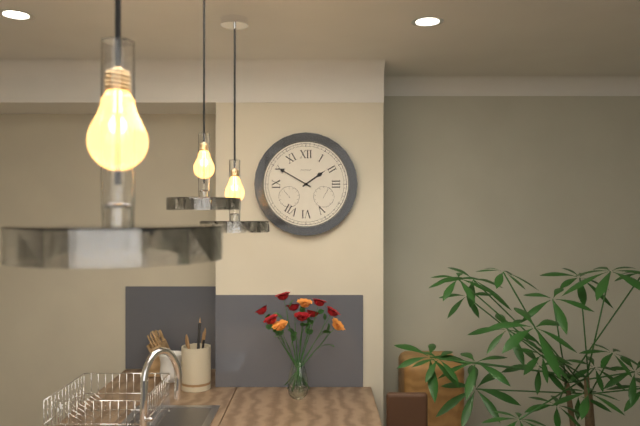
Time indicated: **1:50**
